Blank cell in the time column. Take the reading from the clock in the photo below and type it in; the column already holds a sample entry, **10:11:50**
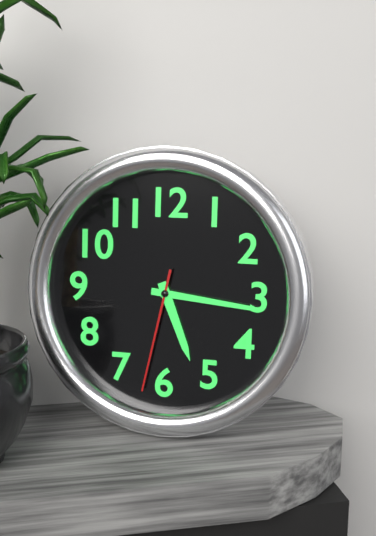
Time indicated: **5:16:32**
